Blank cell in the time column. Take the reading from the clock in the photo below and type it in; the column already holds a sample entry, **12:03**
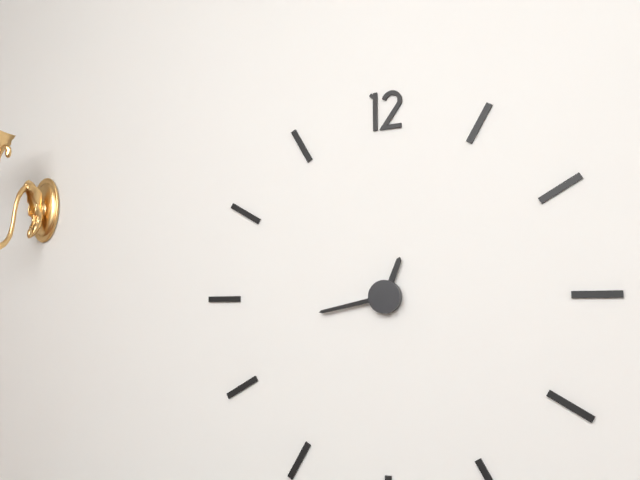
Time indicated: **12:43**
